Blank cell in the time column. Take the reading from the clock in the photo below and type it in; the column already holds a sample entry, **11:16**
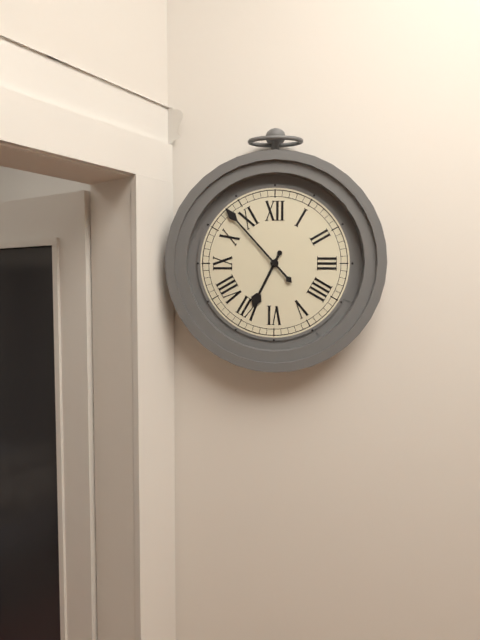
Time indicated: **6:53**
